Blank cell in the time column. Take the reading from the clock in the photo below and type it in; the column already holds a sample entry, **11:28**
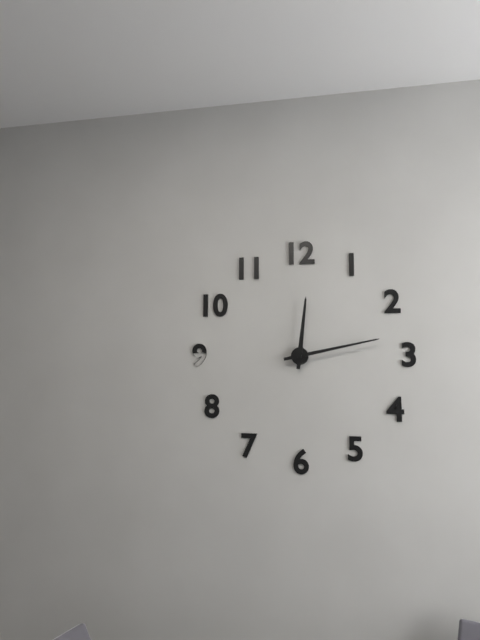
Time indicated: **12:13**
